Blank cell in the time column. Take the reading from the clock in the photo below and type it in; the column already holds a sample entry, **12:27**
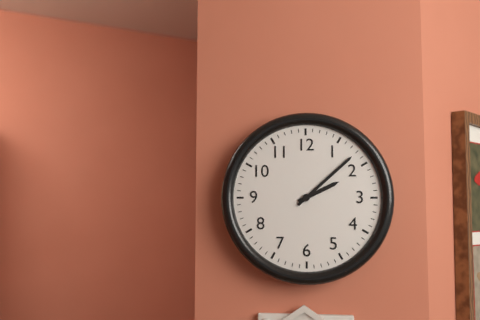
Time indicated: **2:08**
